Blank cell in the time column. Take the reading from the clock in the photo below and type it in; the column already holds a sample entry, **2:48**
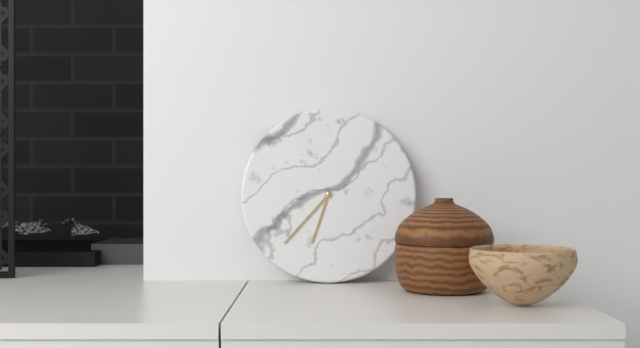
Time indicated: **6:37**
